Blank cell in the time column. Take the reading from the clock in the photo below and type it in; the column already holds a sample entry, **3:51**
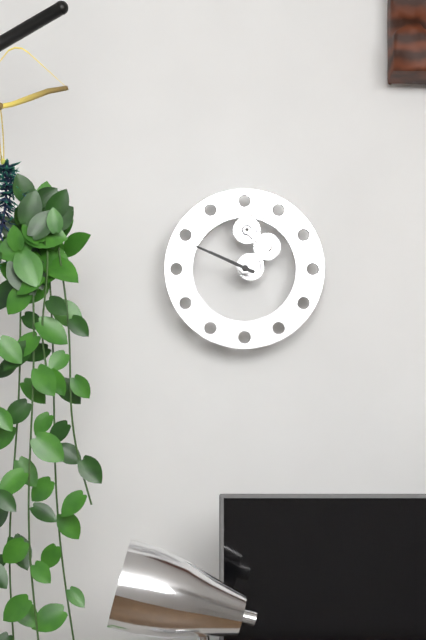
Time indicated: **9:49**
